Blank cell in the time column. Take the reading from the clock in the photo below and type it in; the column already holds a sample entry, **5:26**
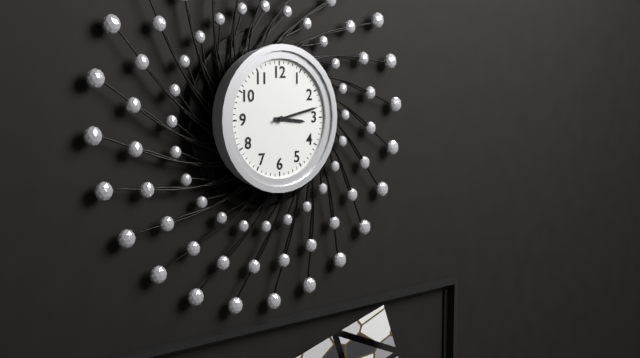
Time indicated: **3:13**
